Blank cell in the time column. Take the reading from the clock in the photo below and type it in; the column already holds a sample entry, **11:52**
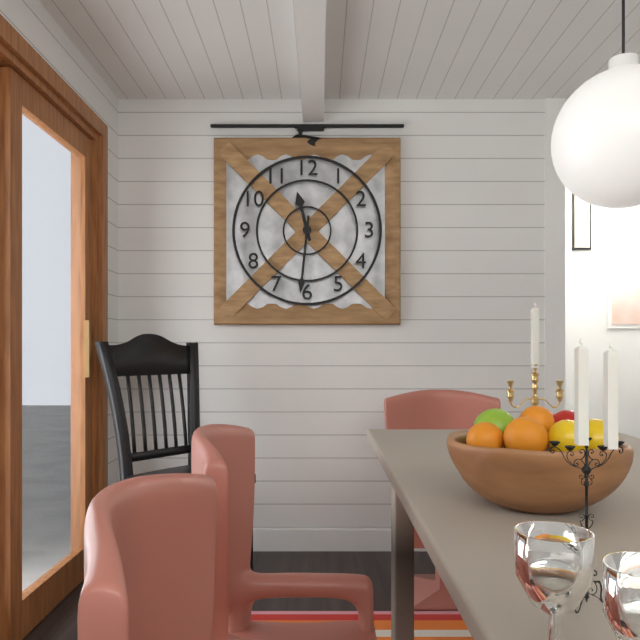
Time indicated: **11:31**
